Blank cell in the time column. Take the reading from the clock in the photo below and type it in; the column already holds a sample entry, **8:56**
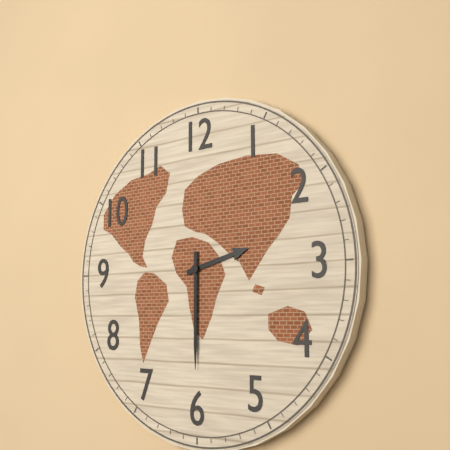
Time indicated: **2:30**
